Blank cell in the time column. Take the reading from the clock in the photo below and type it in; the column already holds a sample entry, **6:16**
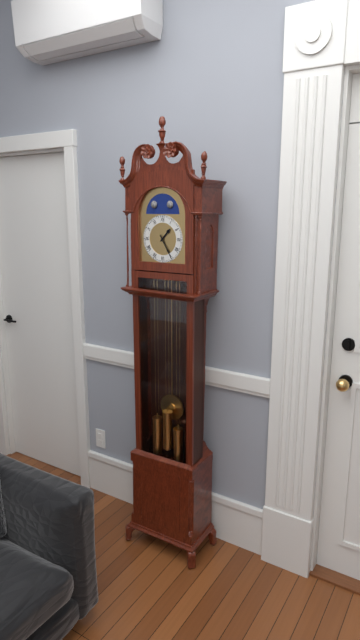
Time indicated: **1:25**
